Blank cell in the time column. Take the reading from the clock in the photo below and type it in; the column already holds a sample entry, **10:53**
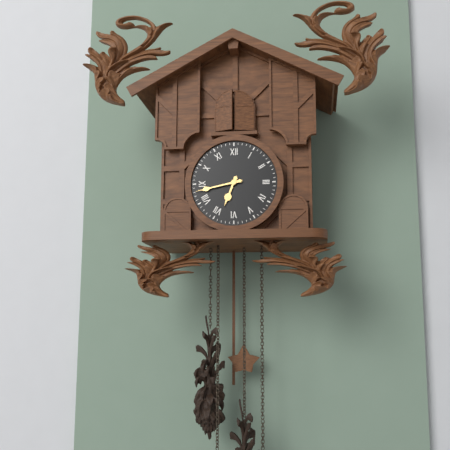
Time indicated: **6:43**
